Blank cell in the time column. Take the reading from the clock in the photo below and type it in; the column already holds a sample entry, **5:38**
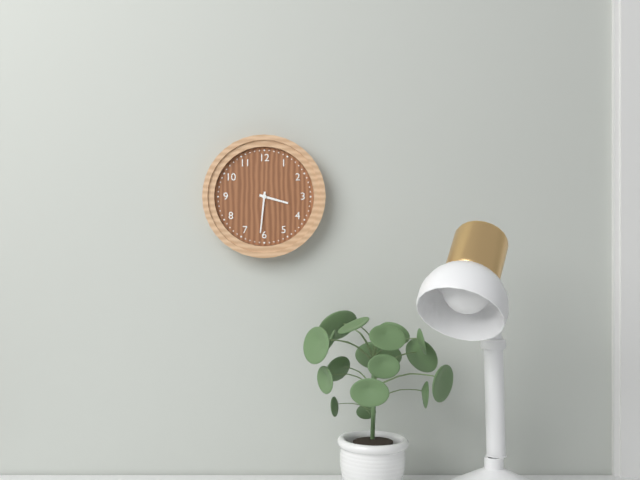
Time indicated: **3:31**
